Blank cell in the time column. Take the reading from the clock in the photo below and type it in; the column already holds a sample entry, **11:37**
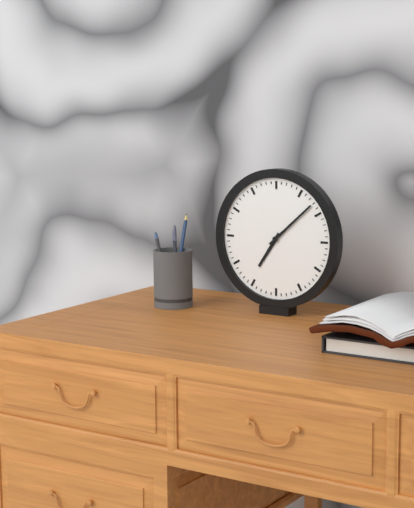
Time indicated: **7:08**
